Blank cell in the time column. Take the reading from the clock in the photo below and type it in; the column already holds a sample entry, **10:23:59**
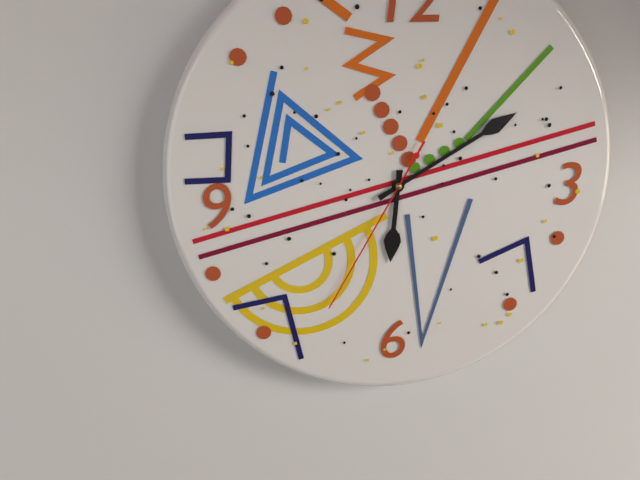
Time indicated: **6:10:35**
